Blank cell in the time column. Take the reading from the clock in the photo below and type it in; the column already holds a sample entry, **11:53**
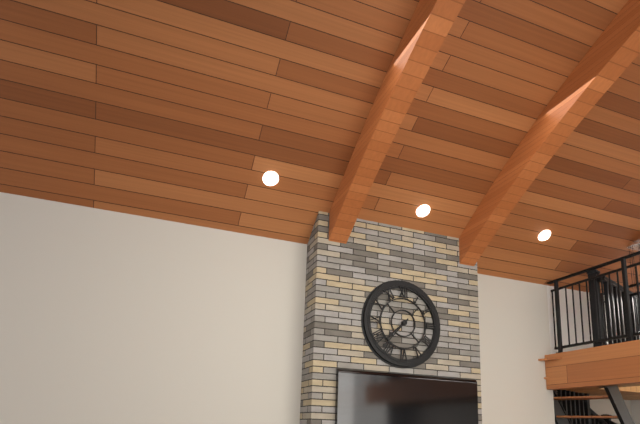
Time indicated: **7:37**
